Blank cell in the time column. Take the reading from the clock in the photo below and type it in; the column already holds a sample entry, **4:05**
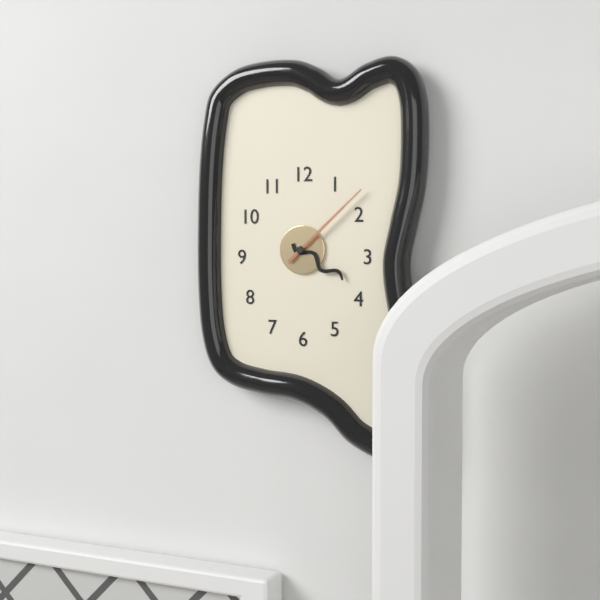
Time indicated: **4:08**
